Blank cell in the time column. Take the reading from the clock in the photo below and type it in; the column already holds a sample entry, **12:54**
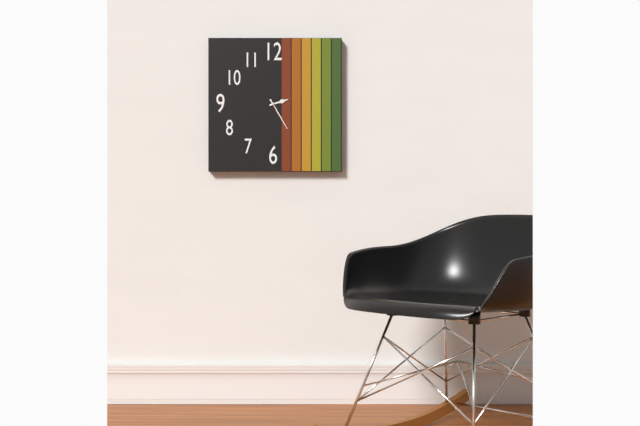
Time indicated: **2:25**
